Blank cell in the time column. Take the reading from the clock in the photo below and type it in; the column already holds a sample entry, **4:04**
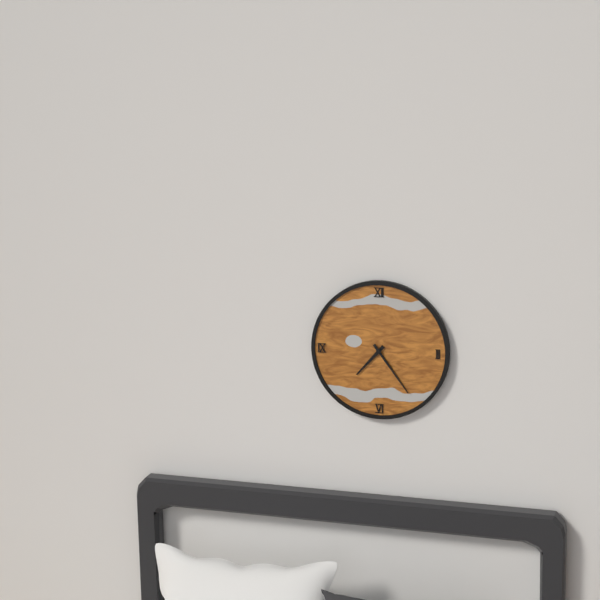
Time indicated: **7:24**
